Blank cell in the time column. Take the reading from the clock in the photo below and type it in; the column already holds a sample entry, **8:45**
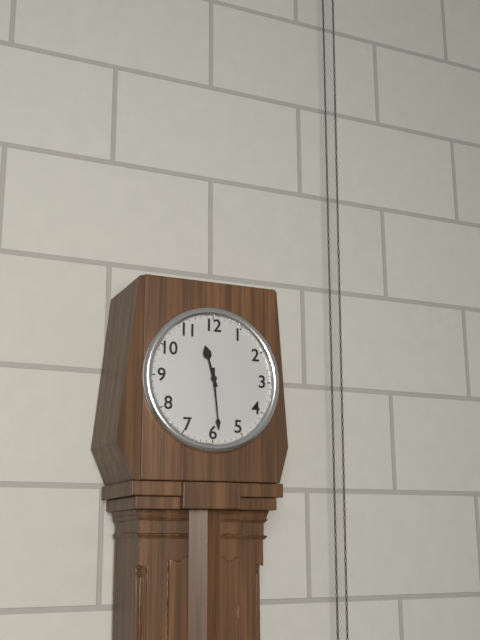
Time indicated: **11:29**
